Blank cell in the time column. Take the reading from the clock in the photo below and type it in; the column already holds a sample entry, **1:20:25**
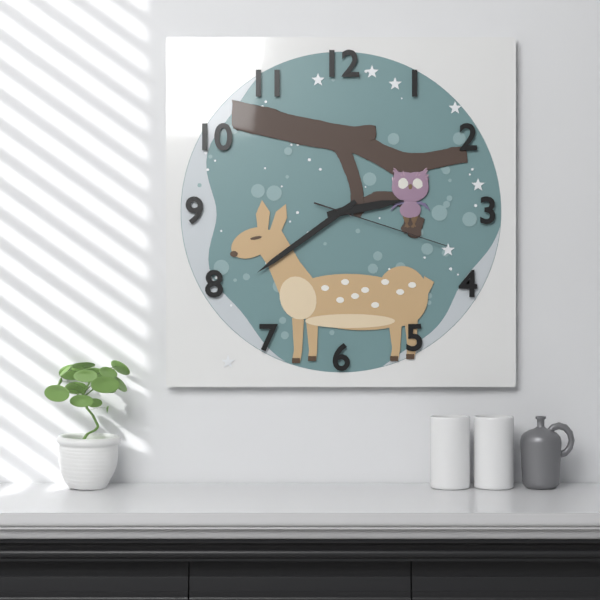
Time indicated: **2:39:18**
